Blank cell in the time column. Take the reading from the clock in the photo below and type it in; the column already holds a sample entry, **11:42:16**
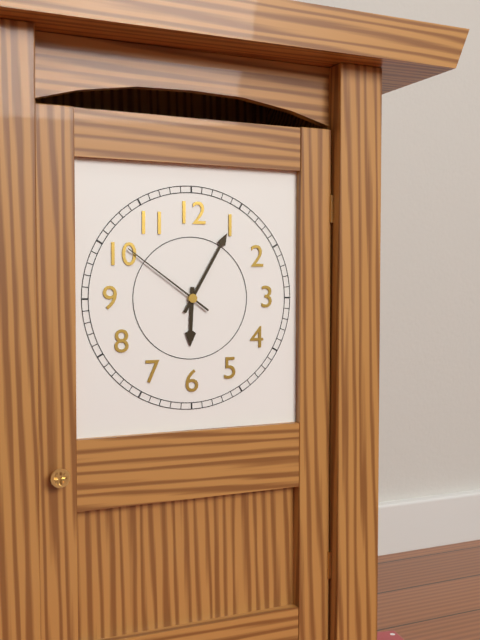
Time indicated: **6:05:51**
